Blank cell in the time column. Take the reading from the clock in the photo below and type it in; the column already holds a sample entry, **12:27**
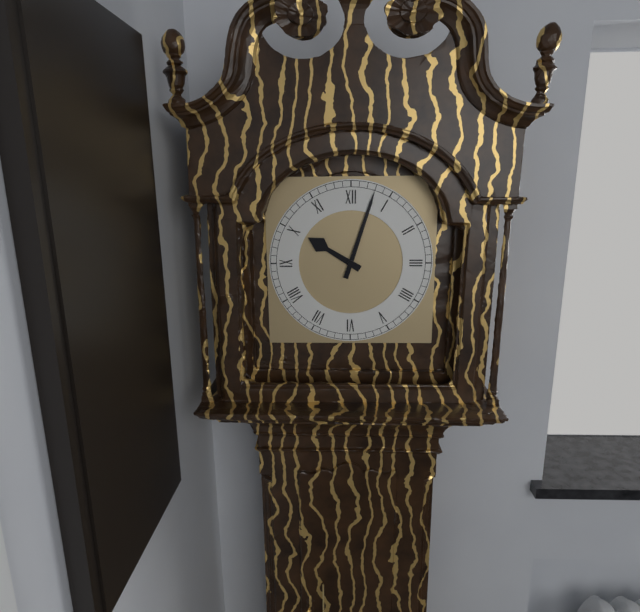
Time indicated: **10:03**
